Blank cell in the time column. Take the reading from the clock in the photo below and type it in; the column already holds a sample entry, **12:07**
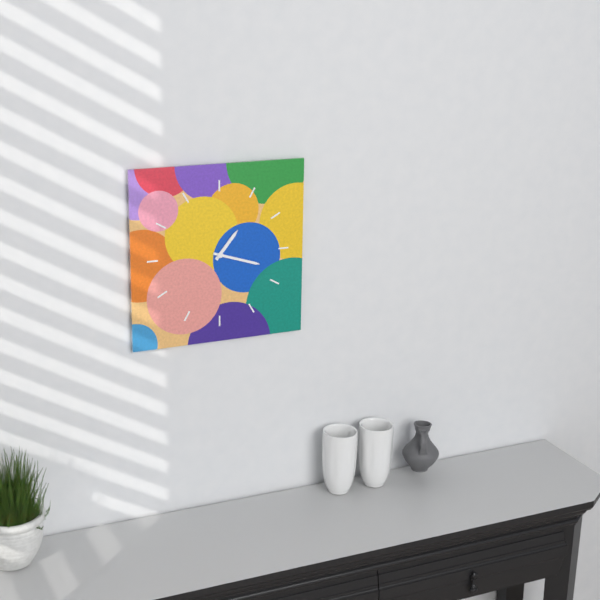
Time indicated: **1:18**
